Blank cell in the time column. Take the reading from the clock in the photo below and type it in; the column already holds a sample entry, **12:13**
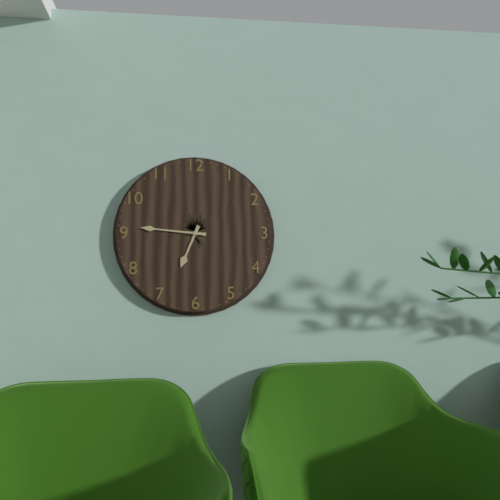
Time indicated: **6:46**
